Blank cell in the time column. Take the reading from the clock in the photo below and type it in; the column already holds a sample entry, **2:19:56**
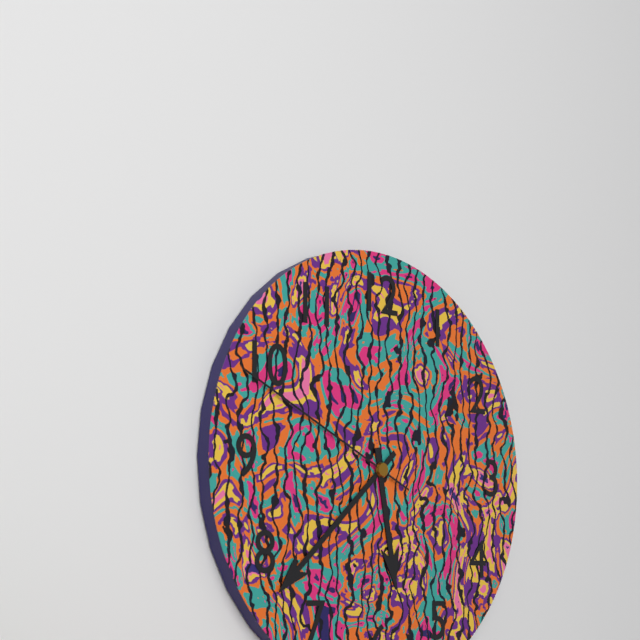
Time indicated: **5:38:49**
